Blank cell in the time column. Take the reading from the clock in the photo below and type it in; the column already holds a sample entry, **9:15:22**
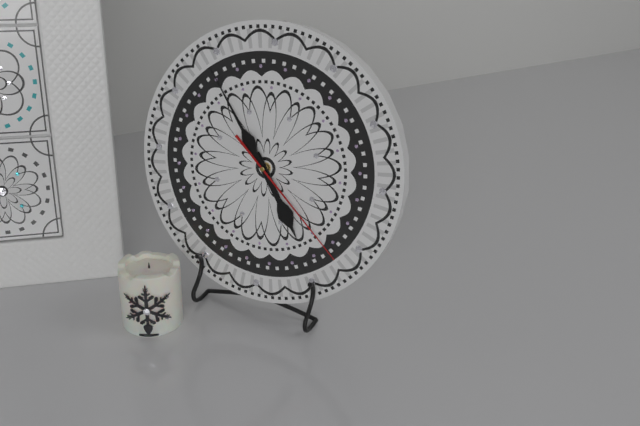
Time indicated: **4:54:22**
